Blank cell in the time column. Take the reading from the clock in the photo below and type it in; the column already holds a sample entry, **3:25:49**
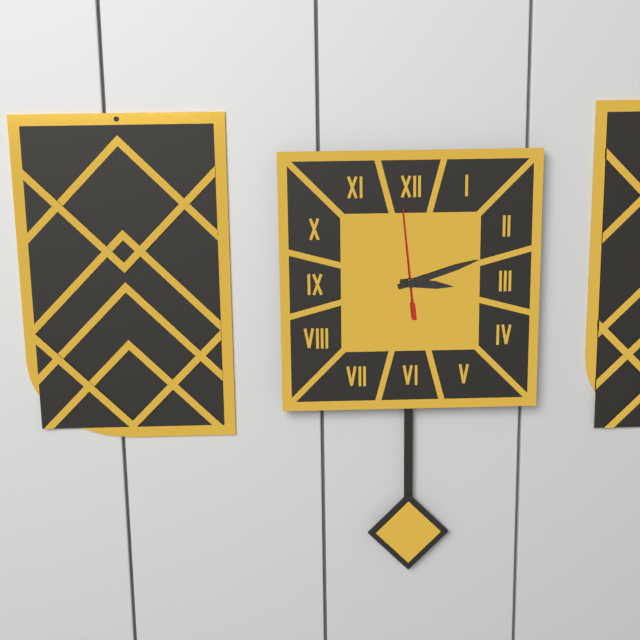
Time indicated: **3:12:59**
